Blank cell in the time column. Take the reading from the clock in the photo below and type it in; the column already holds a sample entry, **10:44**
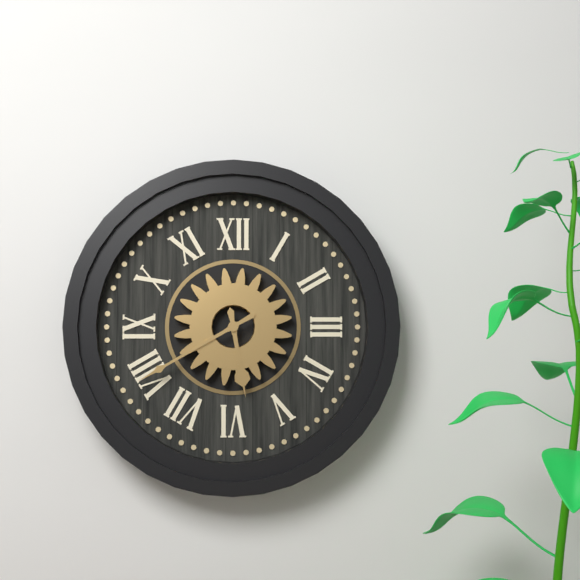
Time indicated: **5:40**
